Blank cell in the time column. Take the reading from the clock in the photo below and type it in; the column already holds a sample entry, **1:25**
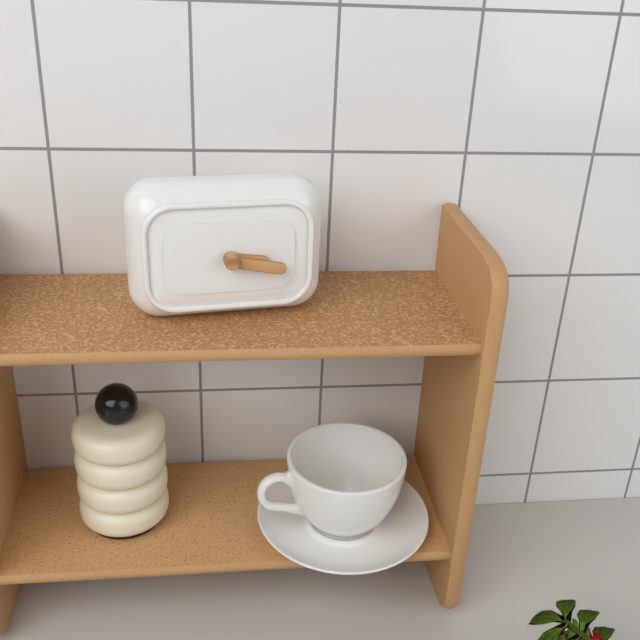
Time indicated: **3:17**
